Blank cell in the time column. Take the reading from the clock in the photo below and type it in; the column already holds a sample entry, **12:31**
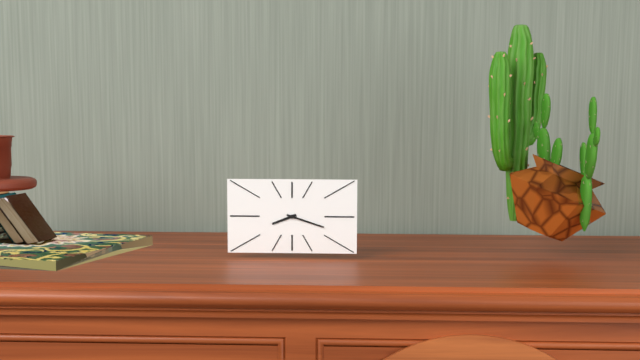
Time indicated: **8:18**
